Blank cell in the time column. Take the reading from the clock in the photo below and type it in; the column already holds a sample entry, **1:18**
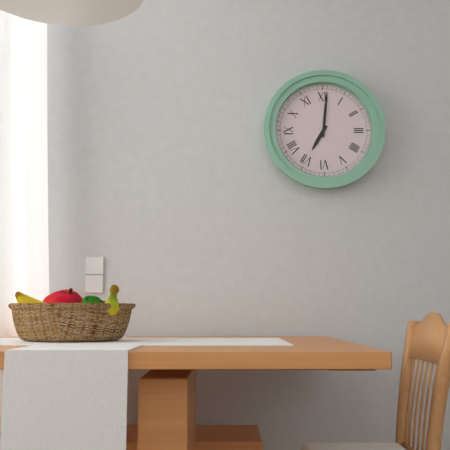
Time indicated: **7:01**
